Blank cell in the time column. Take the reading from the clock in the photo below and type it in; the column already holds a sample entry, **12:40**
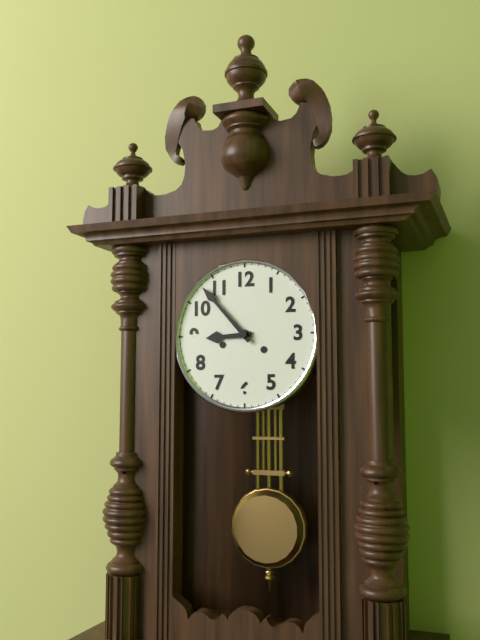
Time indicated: **8:53**
